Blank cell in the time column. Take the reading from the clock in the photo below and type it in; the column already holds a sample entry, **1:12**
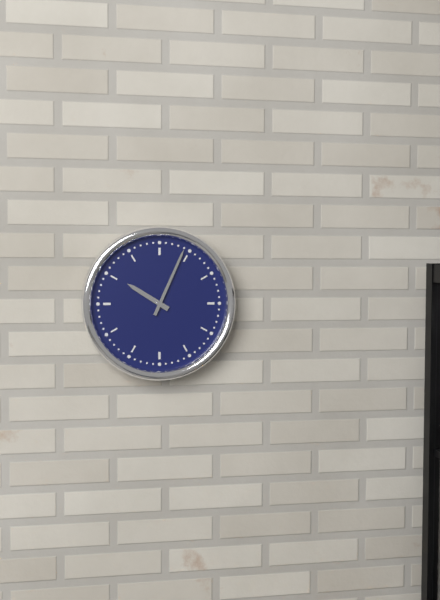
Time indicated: **10:04**
